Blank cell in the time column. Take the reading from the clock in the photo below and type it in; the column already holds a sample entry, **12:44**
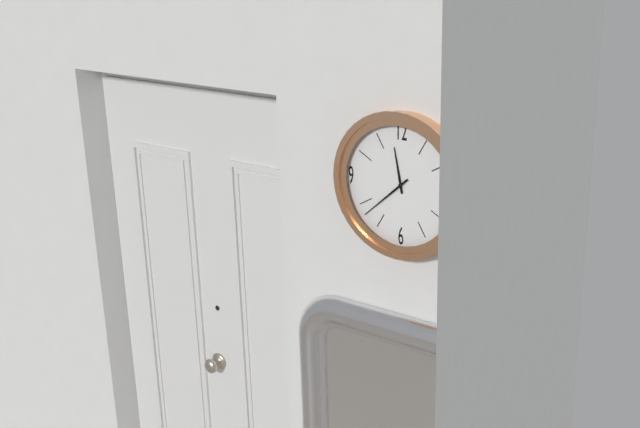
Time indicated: **11:38**
